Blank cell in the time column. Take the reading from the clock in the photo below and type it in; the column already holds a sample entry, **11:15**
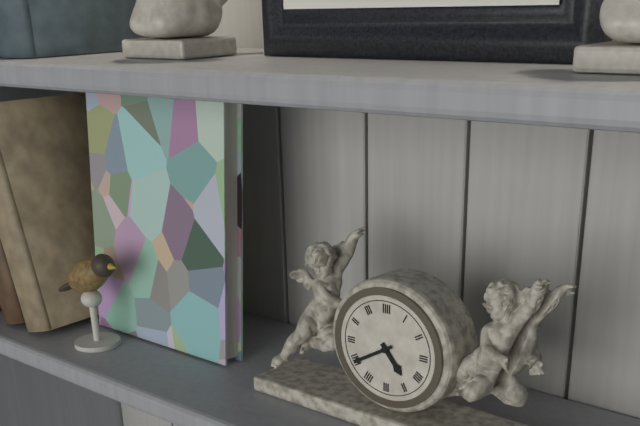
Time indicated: **4:40**
